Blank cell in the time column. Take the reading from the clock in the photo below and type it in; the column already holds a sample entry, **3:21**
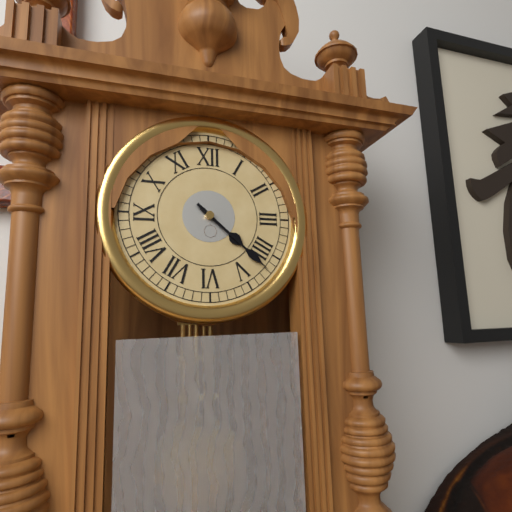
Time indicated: **4:22**
